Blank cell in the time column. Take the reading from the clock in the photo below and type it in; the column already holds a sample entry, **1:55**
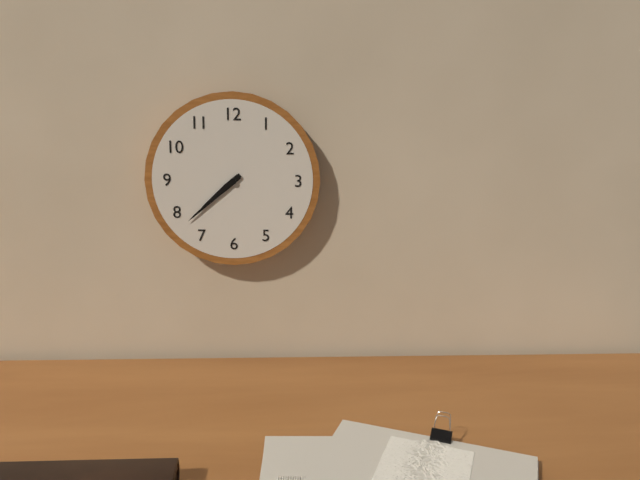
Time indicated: **7:38**
